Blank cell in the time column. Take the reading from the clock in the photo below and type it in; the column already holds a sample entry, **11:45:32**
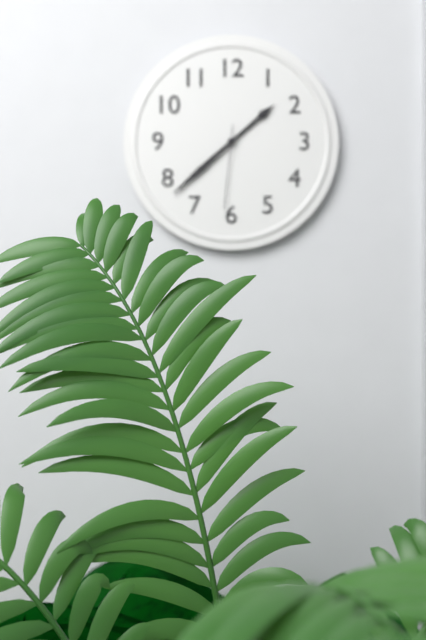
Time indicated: **1:38:31**
